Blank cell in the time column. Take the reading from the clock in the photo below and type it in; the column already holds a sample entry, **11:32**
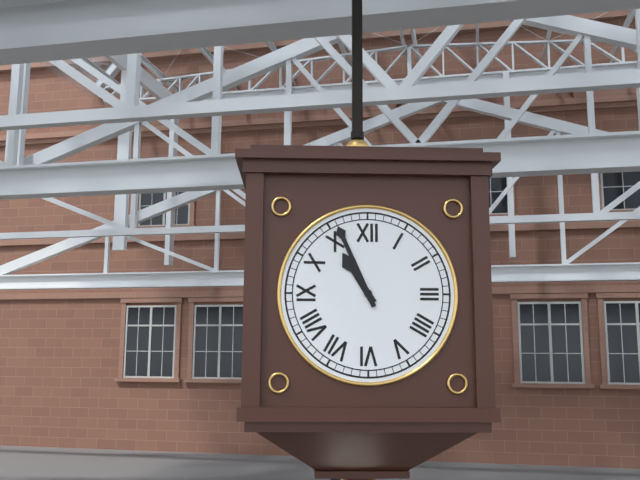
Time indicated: **10:56**
